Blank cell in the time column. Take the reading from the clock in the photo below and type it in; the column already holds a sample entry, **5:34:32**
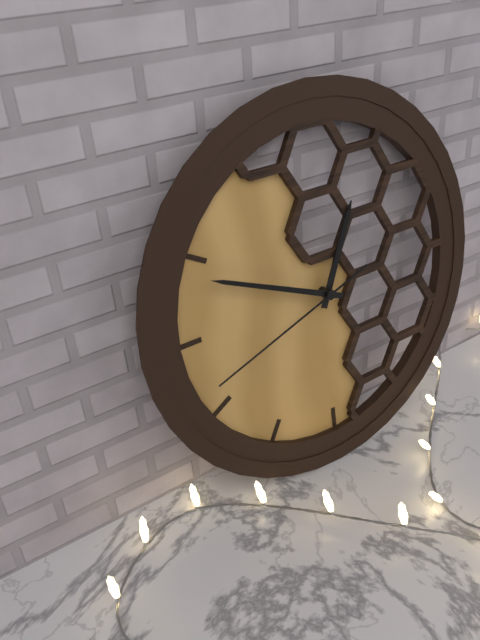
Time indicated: **12:49:42**
